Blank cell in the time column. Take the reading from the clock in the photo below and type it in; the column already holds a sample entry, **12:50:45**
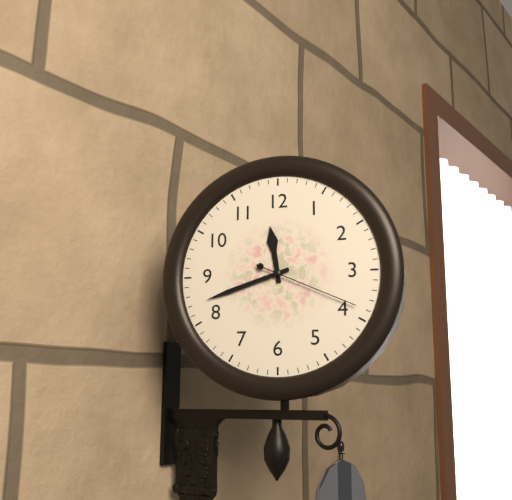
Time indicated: **11:42:19**
